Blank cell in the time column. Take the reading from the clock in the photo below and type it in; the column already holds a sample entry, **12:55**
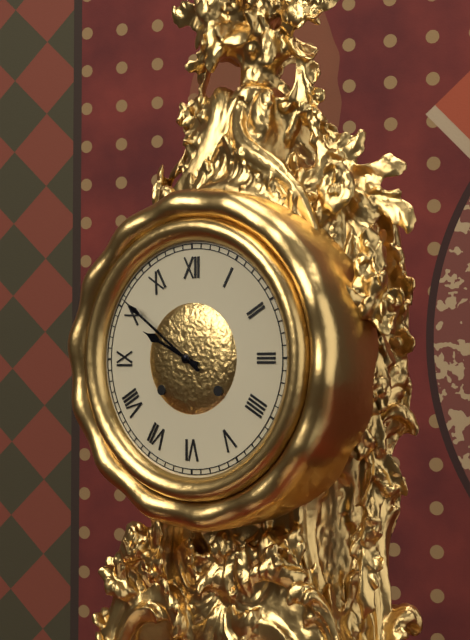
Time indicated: **9:51**
